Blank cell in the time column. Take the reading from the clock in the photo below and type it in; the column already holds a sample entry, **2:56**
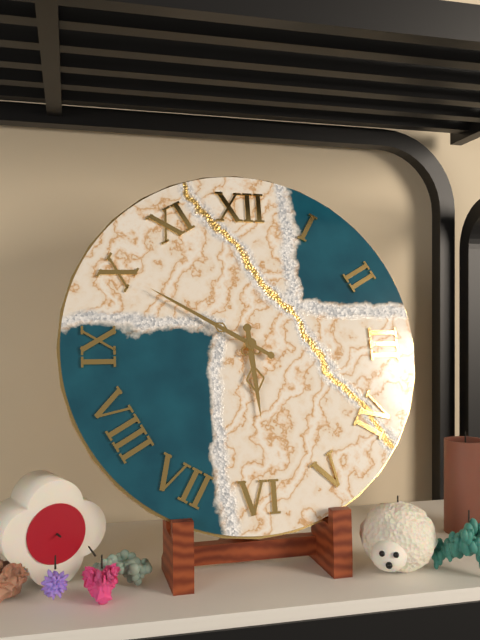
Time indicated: **5:50**
